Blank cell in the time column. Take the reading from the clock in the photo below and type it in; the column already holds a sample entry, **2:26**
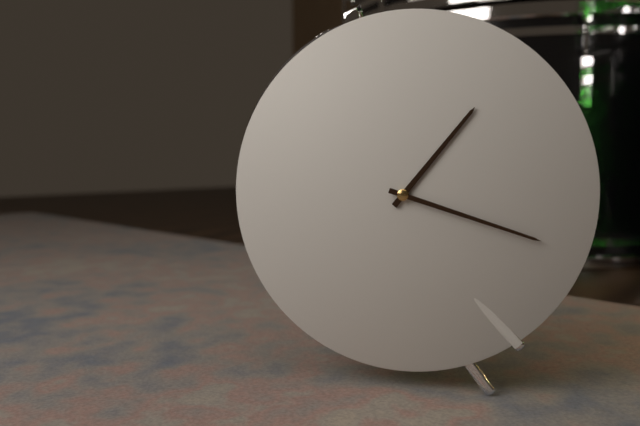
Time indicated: **1:18**
